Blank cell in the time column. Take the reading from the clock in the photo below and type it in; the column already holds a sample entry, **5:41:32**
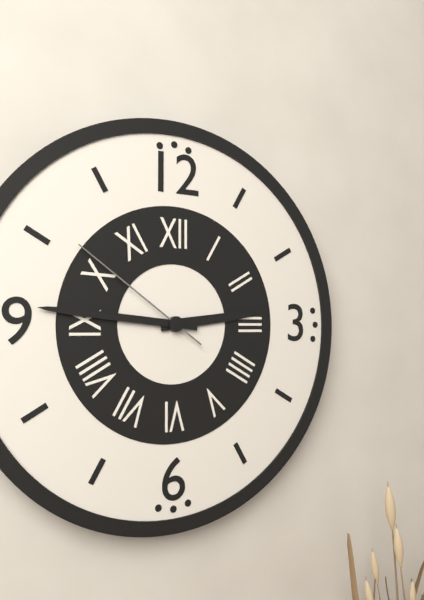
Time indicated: **2:46:51**
